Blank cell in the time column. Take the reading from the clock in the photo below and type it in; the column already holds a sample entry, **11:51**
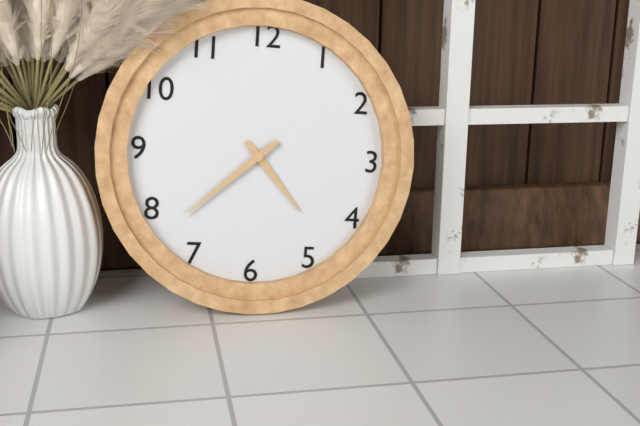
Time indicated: **4:38**
